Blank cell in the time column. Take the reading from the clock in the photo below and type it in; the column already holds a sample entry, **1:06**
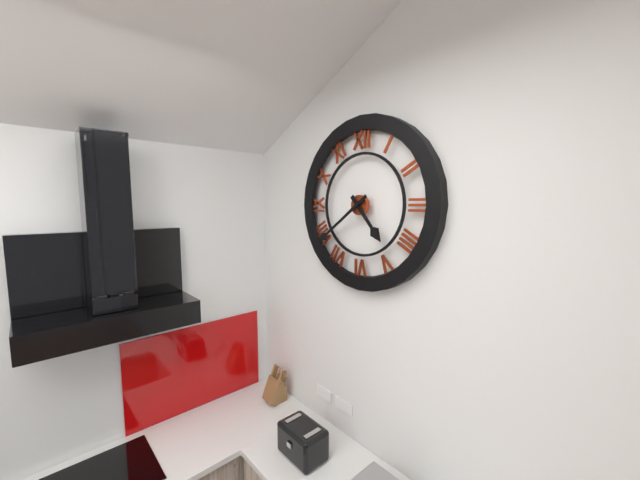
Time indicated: **4:39**
